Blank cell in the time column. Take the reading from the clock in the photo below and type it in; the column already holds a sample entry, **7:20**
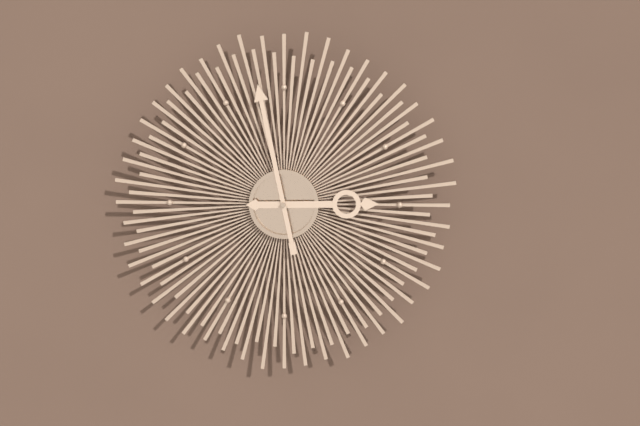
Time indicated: **2:58**
